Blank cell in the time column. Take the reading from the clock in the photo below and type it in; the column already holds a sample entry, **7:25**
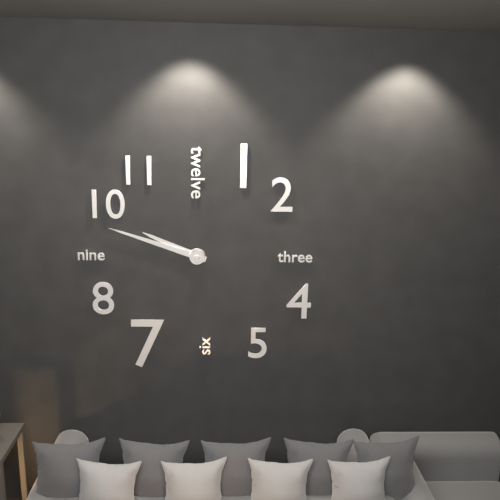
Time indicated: **9:48**
